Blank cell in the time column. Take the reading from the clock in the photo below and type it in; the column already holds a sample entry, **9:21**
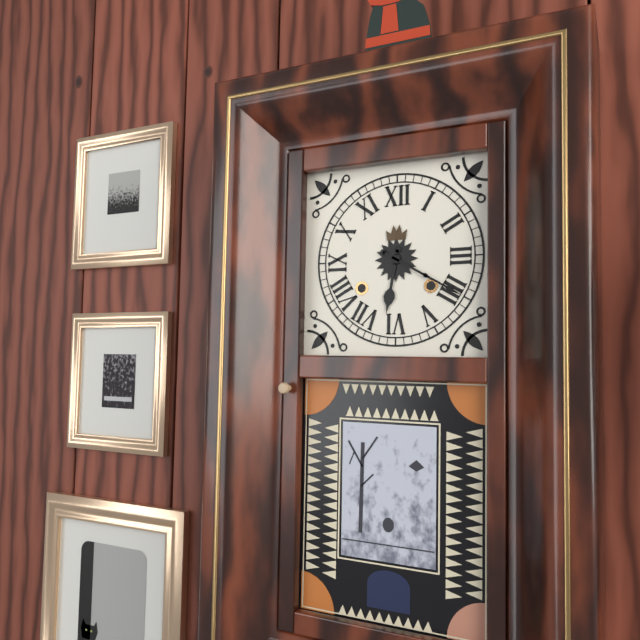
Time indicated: **6:20**
